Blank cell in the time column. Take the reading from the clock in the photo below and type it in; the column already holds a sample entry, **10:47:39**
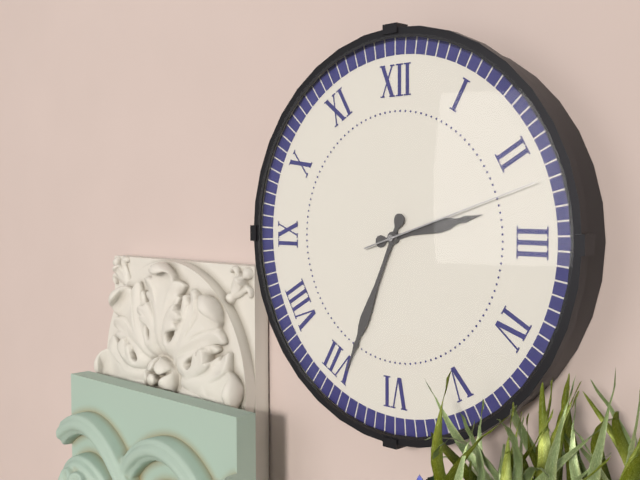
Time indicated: **2:34:12**
